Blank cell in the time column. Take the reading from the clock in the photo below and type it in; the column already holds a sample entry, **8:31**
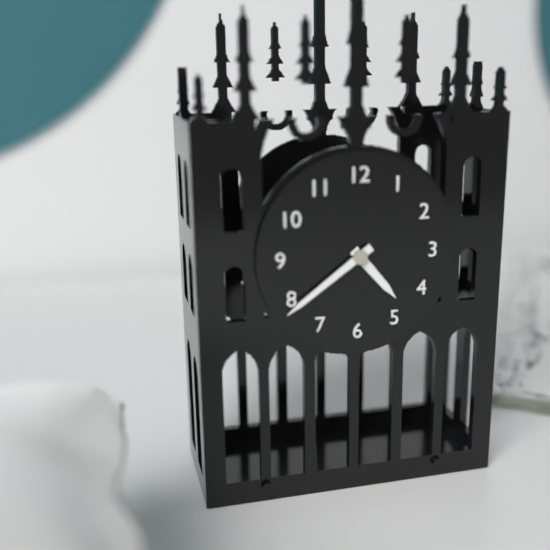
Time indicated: **4:39**
